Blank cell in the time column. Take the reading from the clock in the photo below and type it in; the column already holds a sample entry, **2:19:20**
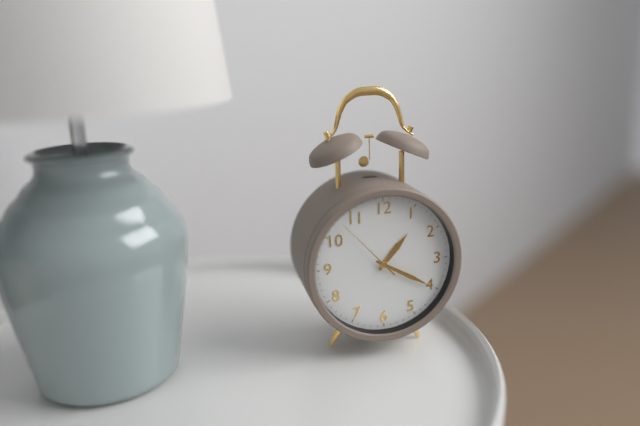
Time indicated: **1:20:53**
